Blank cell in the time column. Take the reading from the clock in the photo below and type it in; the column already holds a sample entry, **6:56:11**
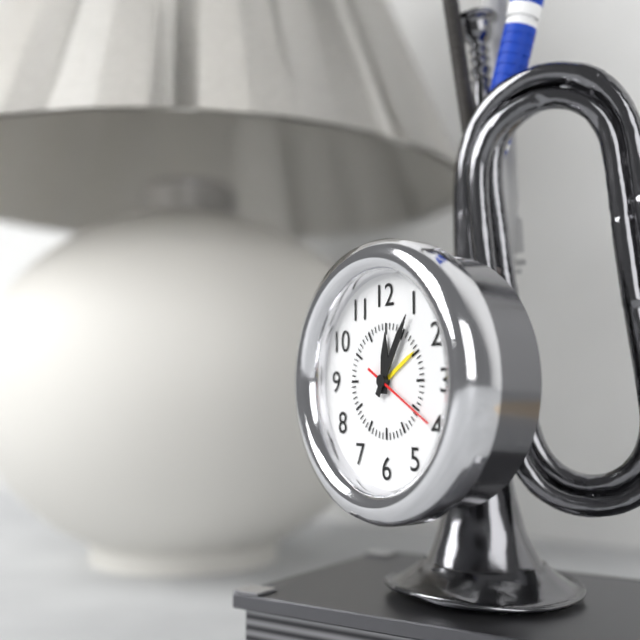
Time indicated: **12:05:20**
